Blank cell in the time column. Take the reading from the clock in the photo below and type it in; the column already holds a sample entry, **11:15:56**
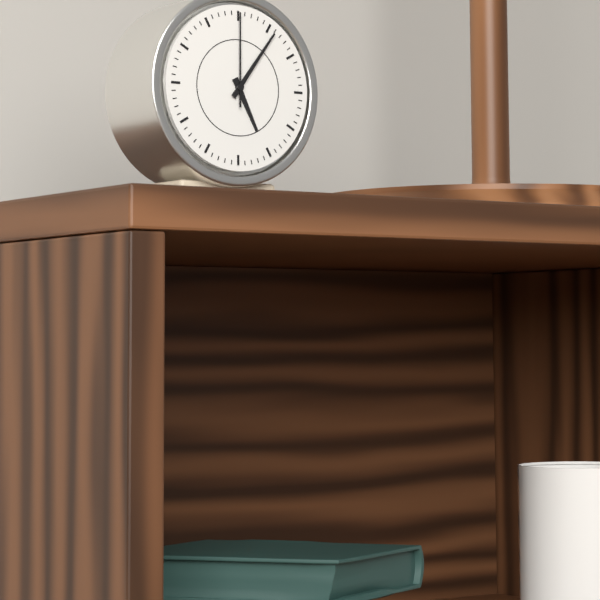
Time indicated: **5:06:00**
